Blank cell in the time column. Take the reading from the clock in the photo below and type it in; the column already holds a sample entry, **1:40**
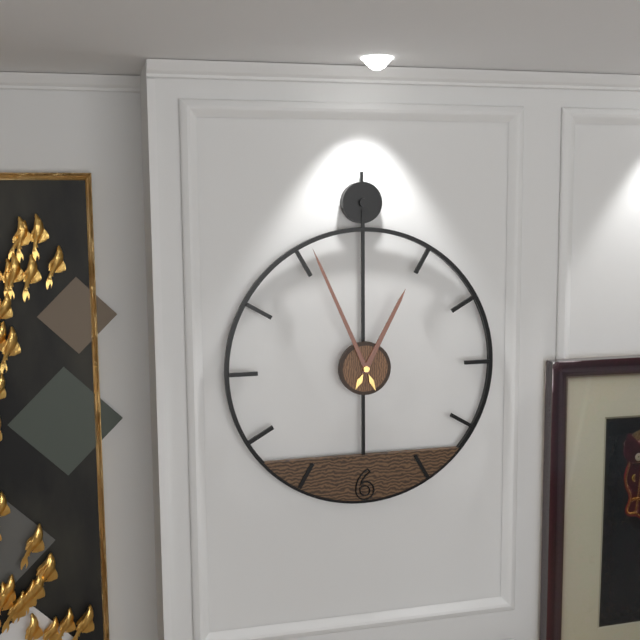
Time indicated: **12:56**
